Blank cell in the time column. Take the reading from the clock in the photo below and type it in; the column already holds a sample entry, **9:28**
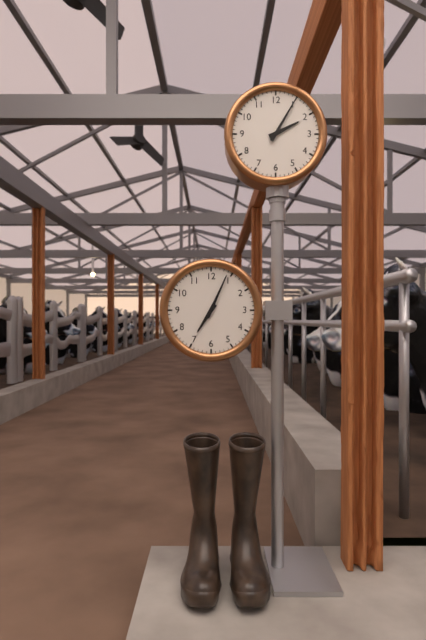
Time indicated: **2:05**
